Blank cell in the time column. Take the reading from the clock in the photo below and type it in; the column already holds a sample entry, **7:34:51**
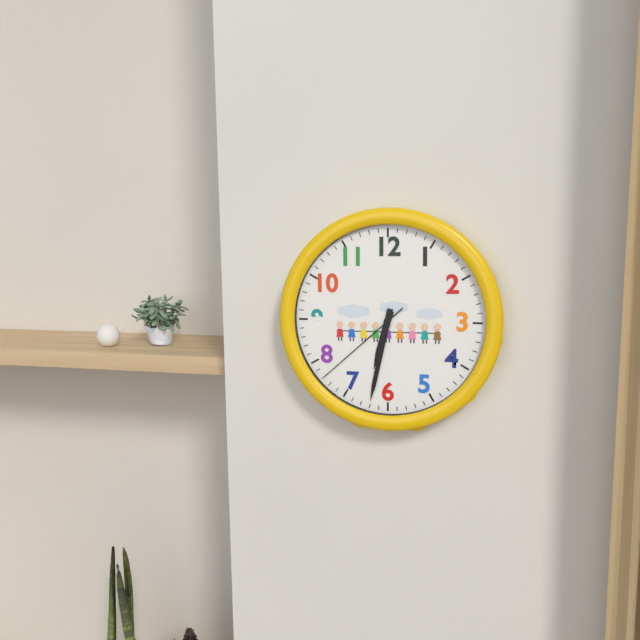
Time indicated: **6:32:38**
